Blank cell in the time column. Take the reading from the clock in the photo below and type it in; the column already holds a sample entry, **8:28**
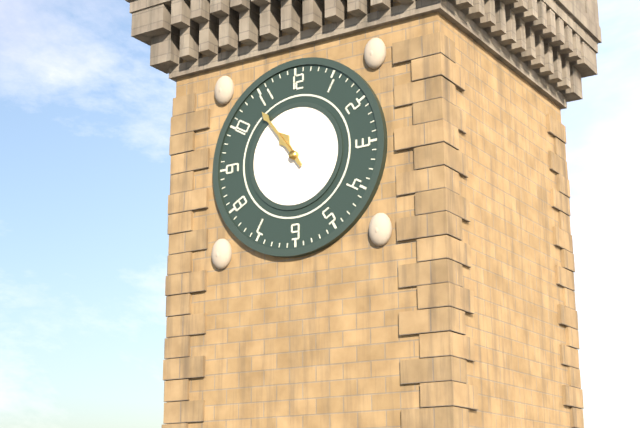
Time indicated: **10:54**
